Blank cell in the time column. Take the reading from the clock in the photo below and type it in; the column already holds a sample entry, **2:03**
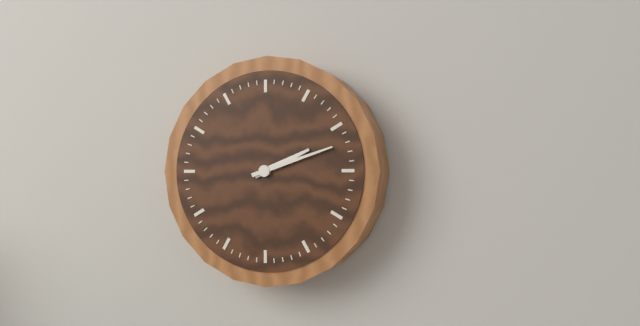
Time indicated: **2:12**
